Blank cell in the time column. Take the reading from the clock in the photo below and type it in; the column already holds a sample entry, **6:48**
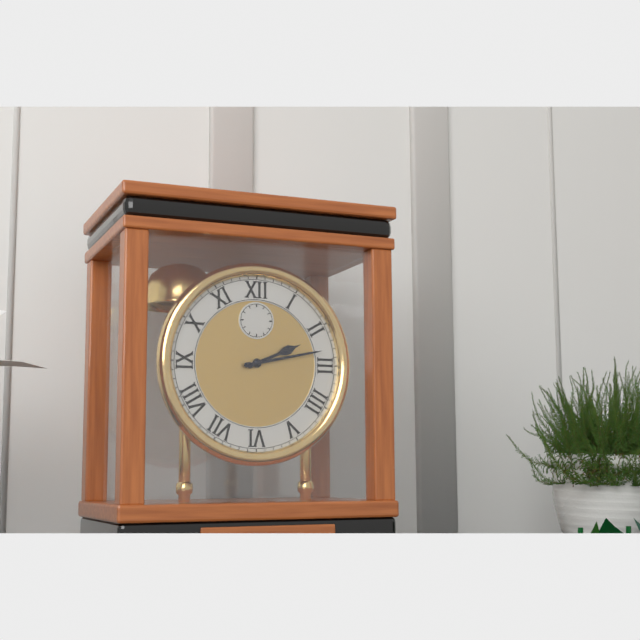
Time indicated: **2:13**
